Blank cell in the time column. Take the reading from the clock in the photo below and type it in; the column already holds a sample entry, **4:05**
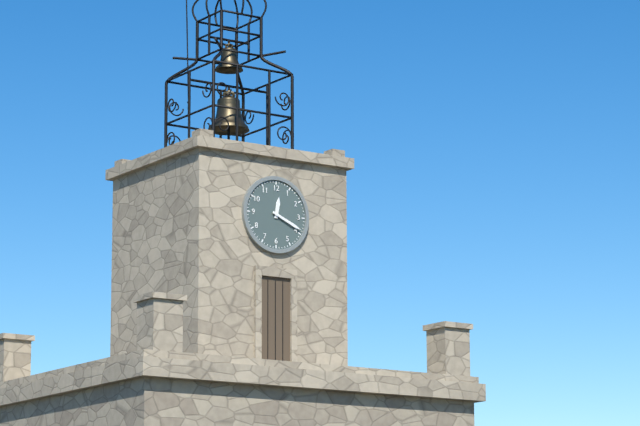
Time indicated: **12:19**
